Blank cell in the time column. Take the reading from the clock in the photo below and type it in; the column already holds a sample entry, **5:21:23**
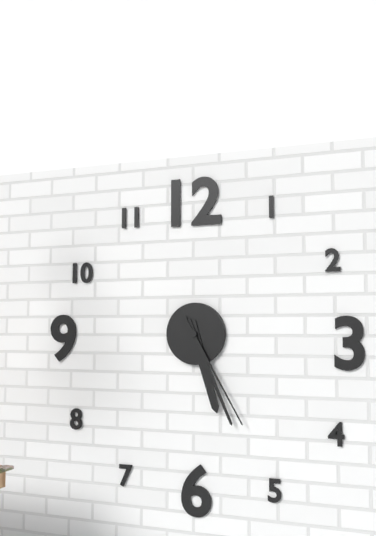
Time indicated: **5:26:25**
